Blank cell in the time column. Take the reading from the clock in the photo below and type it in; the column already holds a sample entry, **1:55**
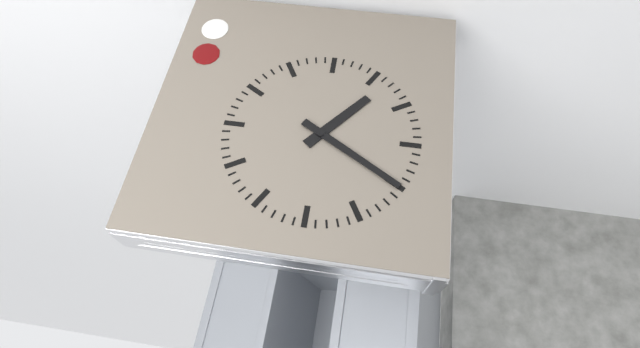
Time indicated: **1:20**
